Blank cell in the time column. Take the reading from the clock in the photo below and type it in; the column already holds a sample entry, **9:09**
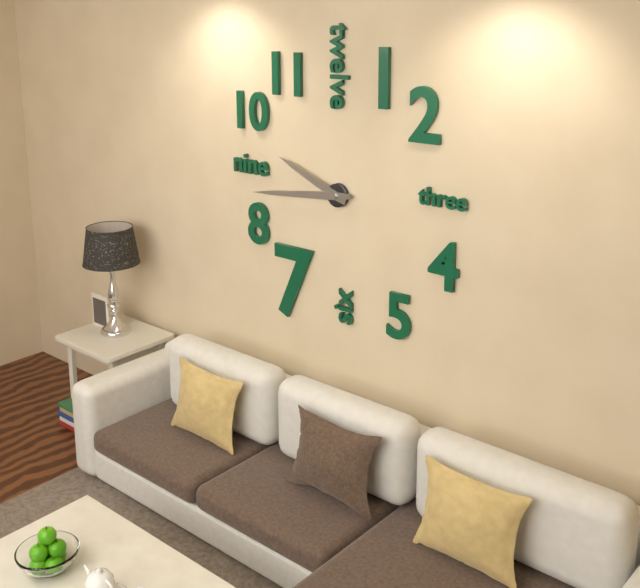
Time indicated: **9:44**
